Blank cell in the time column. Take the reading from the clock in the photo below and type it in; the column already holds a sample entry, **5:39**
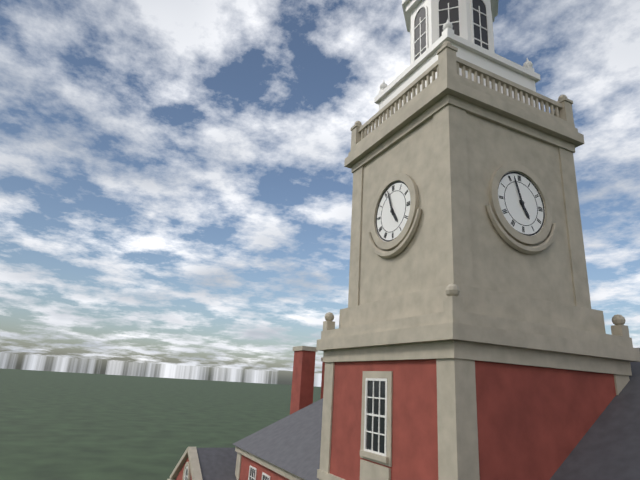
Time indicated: **4:57**
